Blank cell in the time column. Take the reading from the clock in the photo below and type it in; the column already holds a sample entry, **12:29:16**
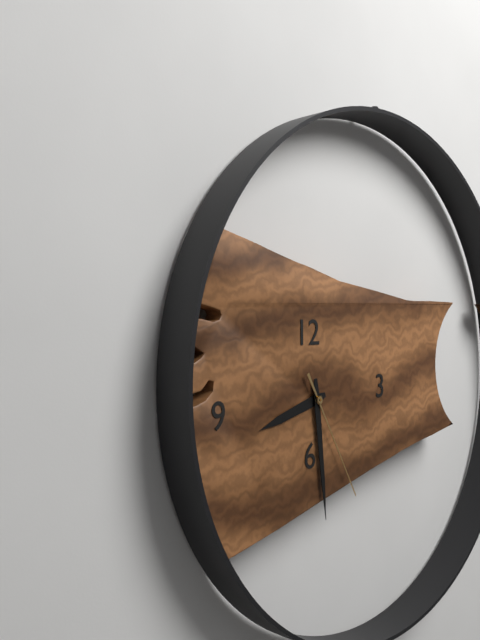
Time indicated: **8:29:25**
